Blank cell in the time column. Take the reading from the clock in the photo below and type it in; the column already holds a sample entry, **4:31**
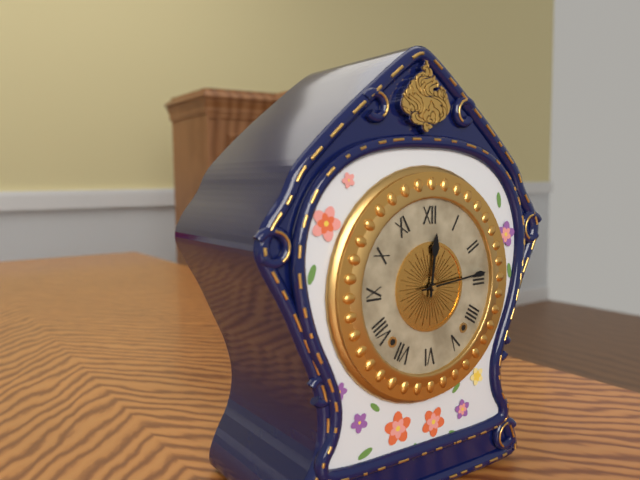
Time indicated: **12:14**
